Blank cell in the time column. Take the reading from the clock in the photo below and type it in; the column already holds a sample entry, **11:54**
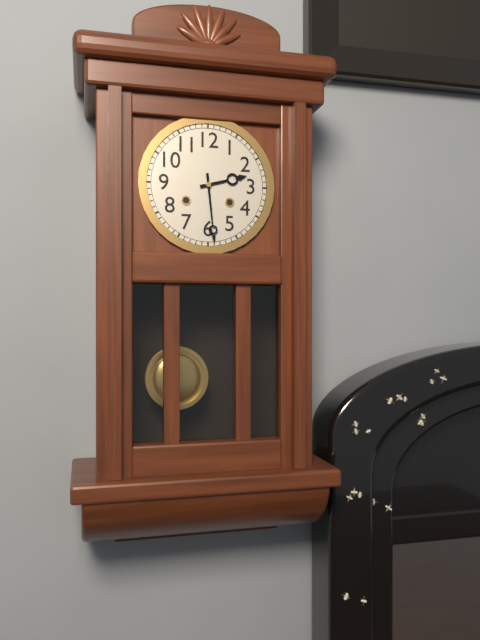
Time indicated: **2:29**
